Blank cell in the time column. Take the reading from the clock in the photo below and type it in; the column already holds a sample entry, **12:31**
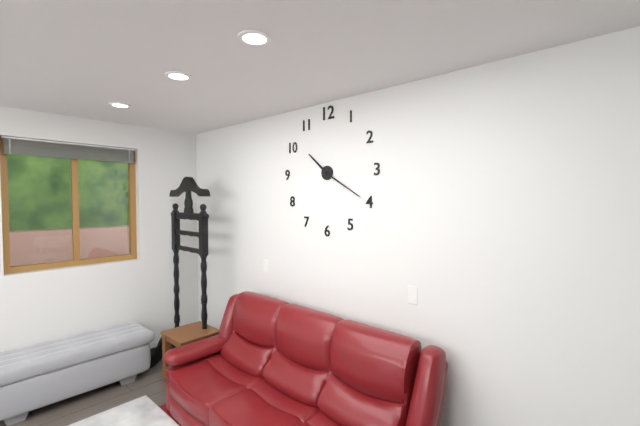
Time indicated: **10:20**
